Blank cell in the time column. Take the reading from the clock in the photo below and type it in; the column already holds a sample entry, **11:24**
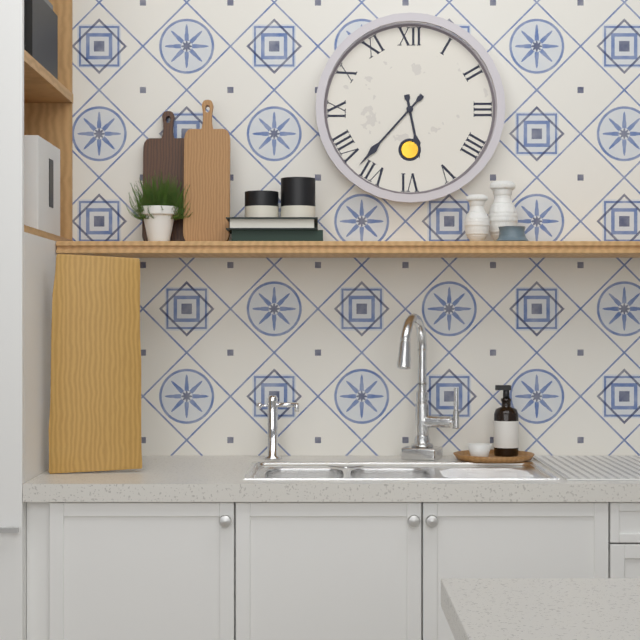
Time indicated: **5:37**
